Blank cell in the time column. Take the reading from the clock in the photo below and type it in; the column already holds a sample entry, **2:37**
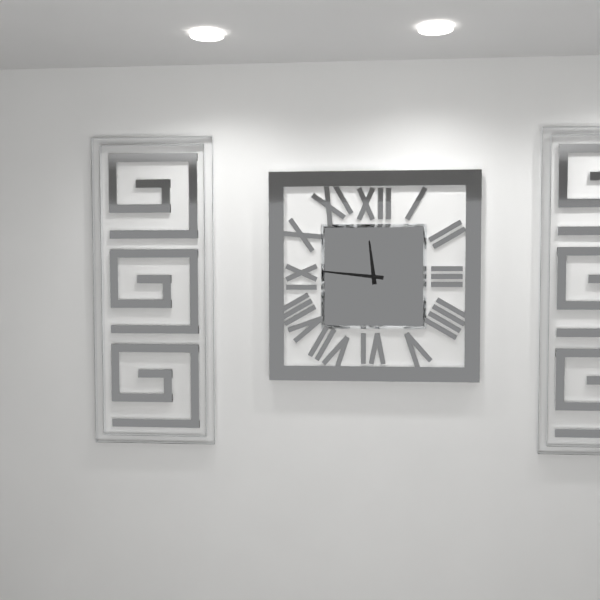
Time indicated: **11:46**
